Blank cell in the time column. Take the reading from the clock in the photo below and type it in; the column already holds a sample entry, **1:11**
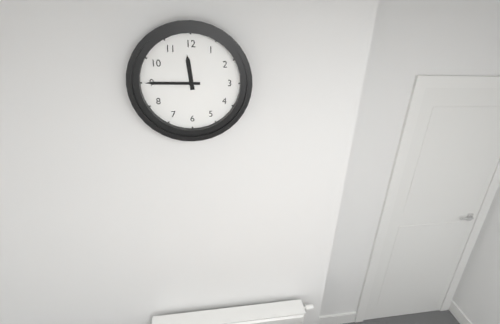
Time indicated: **11:45**
